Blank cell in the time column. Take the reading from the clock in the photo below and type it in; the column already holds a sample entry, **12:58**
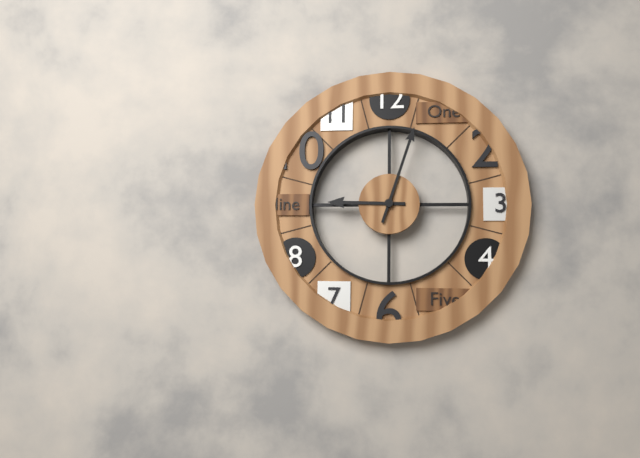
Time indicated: **9:03**
